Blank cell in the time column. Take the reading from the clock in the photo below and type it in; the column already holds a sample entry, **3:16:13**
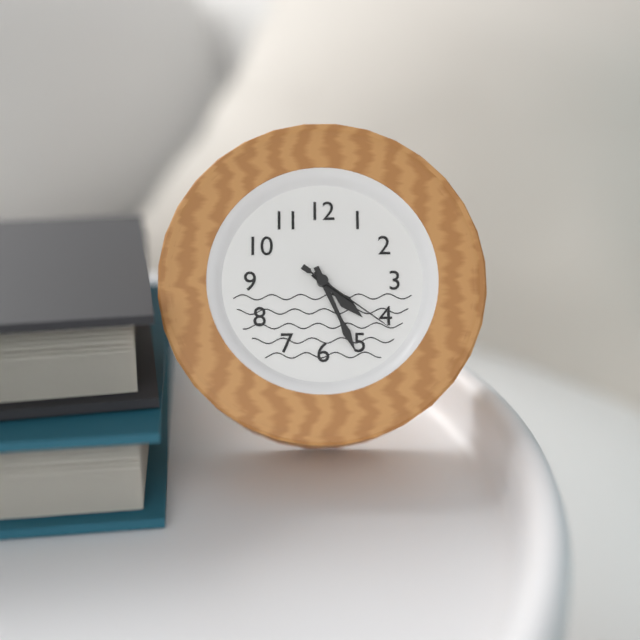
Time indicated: **4:26:21**
